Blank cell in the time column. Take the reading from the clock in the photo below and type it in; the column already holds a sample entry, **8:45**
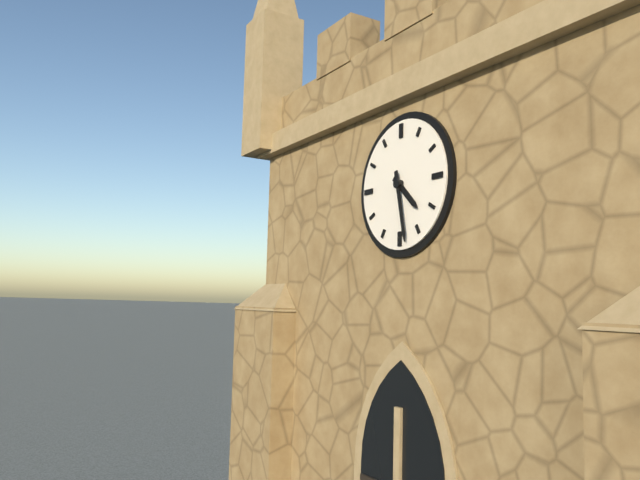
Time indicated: **4:28**
